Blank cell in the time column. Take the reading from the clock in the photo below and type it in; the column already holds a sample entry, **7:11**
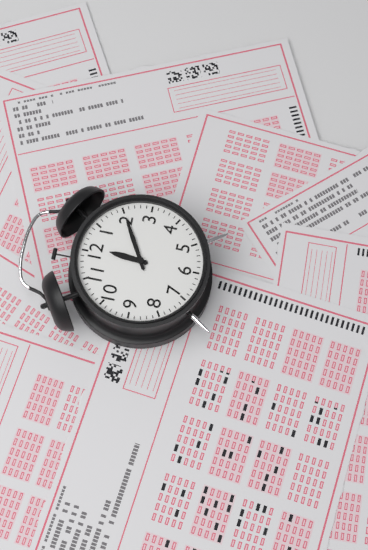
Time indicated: **12:10**
